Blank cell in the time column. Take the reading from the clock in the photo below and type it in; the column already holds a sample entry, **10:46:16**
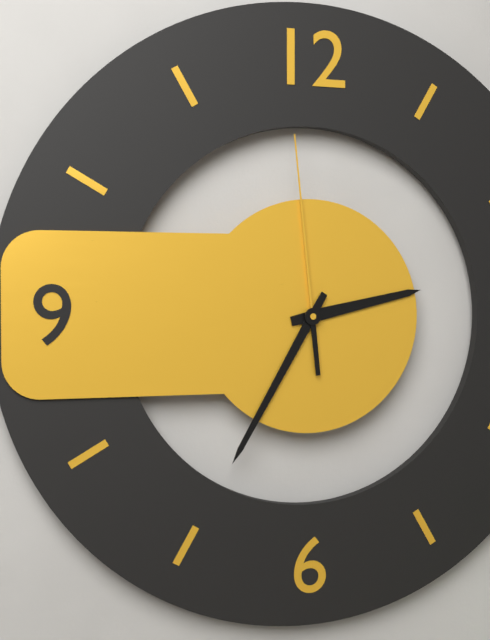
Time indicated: **2:35:59**
